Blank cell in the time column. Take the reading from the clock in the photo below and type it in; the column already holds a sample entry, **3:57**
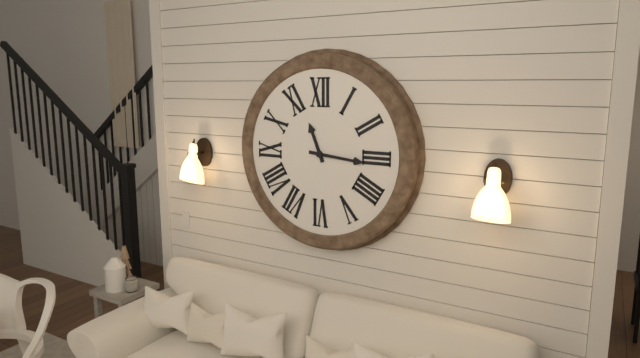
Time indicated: **11:16**
